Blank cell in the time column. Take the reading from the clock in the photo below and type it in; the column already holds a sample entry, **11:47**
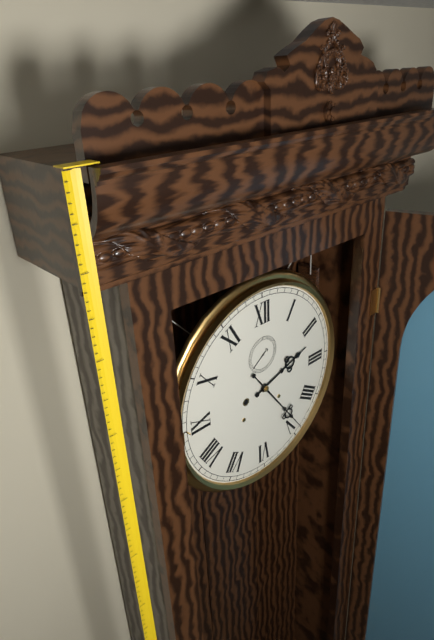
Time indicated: **2:24**
